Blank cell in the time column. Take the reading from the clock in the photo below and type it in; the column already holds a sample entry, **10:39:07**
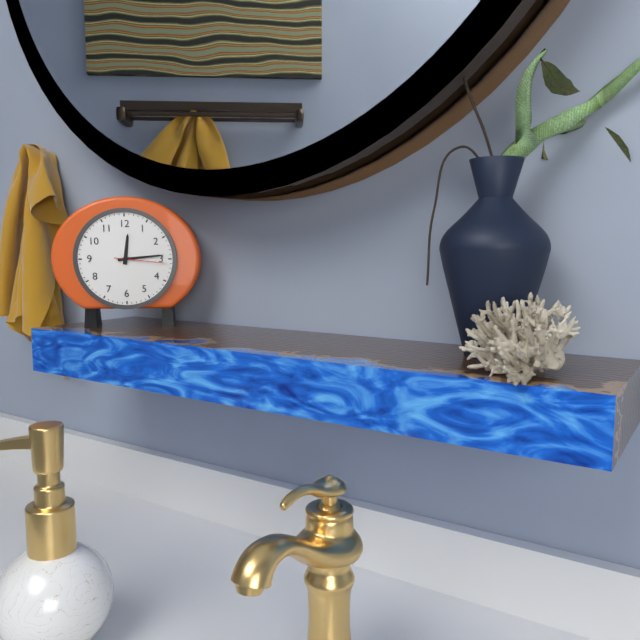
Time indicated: **12:14:16**
